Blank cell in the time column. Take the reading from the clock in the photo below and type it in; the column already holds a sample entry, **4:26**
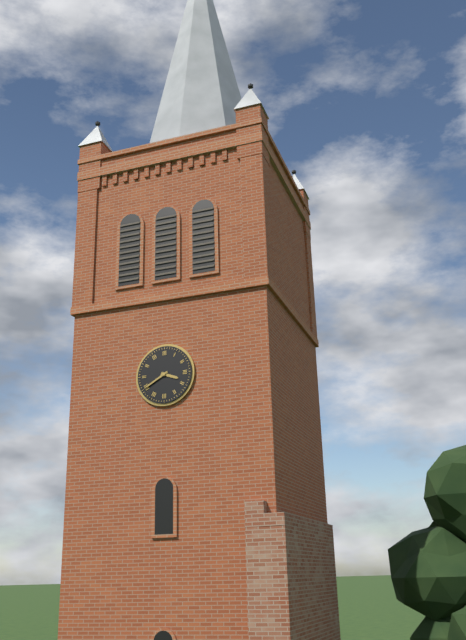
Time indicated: **3:40**
